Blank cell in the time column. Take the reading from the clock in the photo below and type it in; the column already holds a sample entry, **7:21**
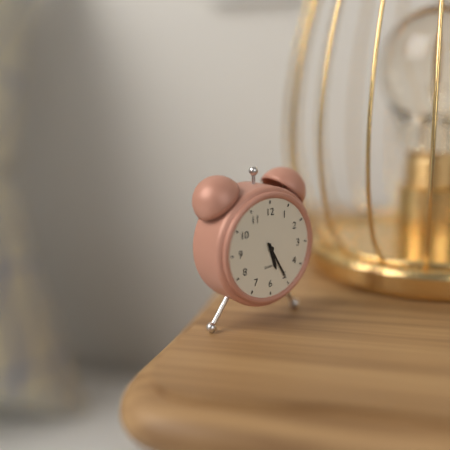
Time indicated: **5:25**
